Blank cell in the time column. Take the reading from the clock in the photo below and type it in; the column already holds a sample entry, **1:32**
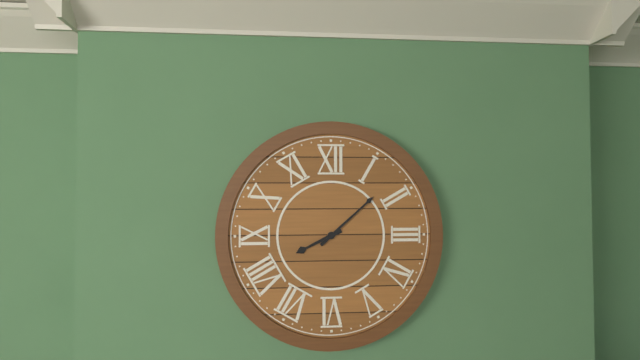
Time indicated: **8:08**
